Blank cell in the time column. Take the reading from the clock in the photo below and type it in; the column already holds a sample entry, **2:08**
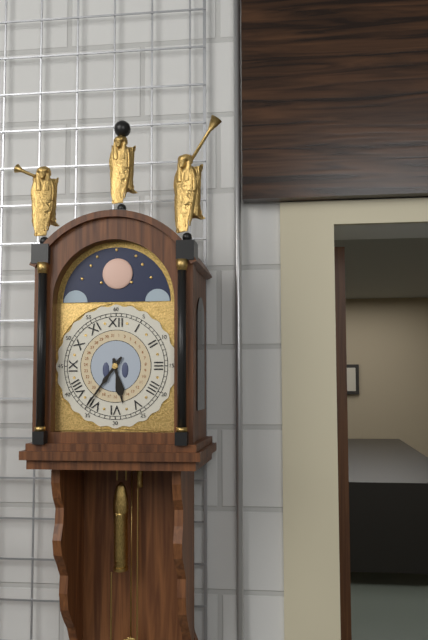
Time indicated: **5:36**
